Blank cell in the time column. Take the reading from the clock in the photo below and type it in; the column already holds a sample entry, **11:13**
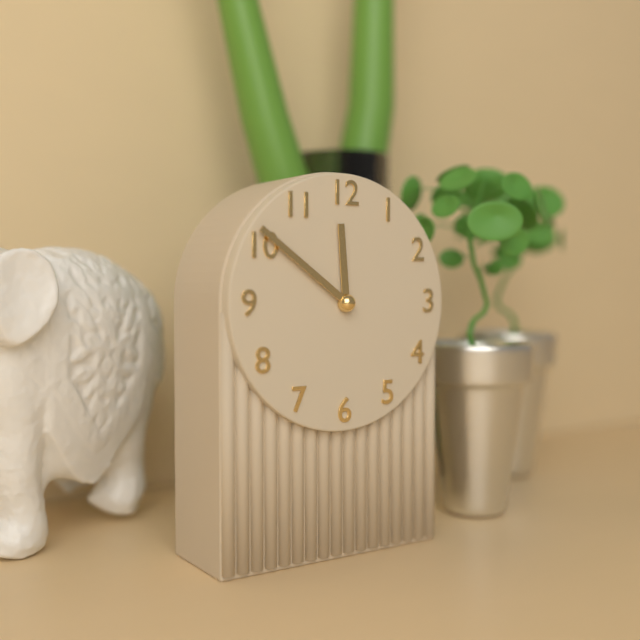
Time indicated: **11:51**
